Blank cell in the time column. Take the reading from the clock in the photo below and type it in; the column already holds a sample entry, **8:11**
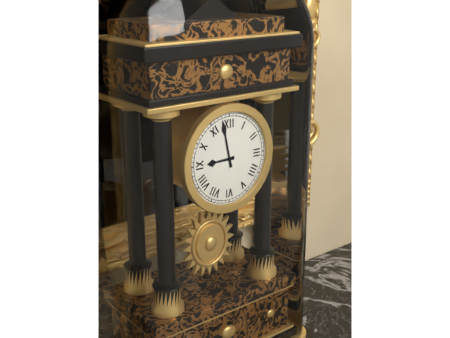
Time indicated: **8:58**
